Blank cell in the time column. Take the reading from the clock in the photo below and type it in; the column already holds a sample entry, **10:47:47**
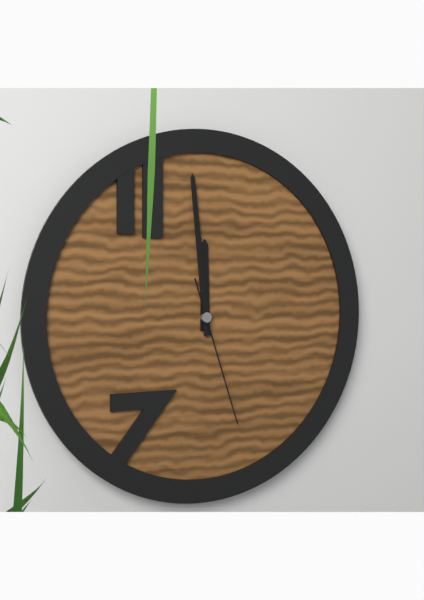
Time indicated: **11:59:27**
